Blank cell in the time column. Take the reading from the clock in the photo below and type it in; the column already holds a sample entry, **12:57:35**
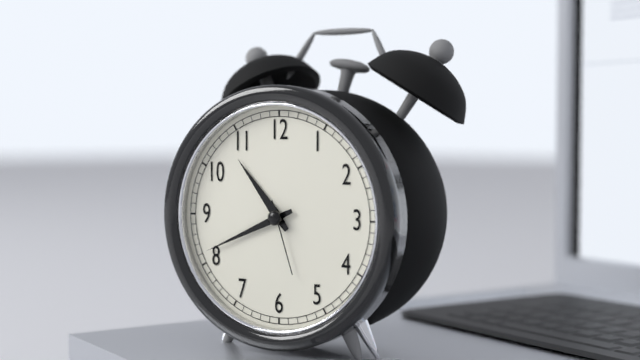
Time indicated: **10:41:27**
